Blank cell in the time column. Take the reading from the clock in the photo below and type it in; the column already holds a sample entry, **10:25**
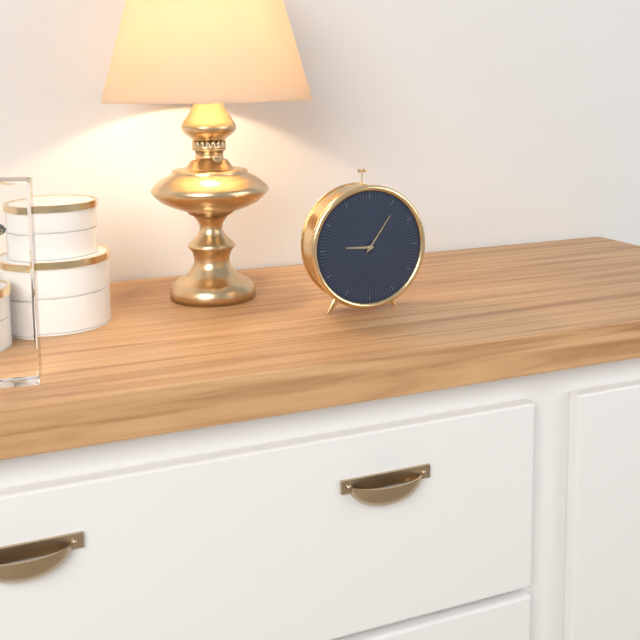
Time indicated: **9:06**
